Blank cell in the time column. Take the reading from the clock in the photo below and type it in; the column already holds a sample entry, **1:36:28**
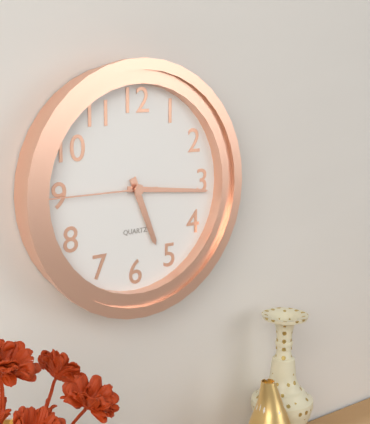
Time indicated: **5:16:45**
